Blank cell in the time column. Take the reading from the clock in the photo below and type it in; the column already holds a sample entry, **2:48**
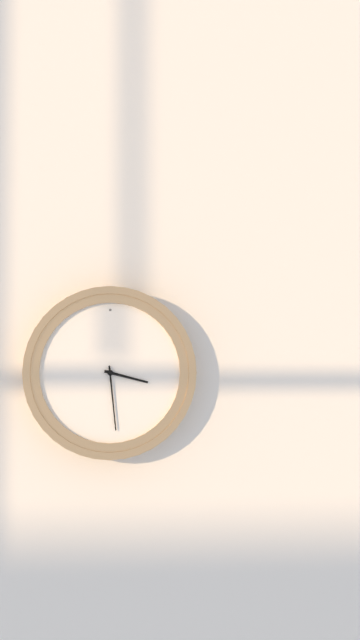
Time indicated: **3:29**
